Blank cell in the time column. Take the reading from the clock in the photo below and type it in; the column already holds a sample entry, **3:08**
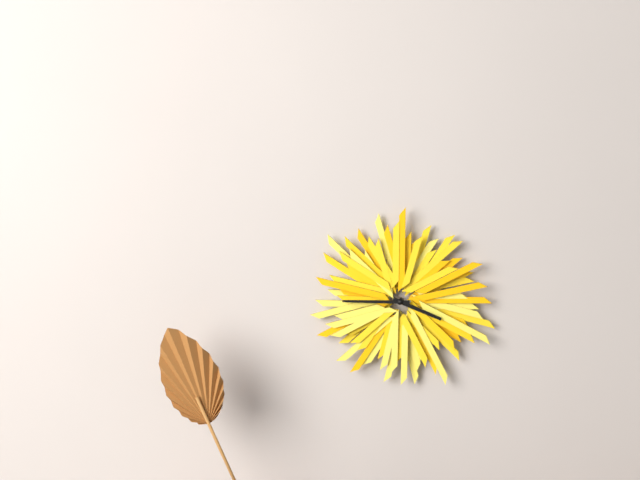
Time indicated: **3:45**
